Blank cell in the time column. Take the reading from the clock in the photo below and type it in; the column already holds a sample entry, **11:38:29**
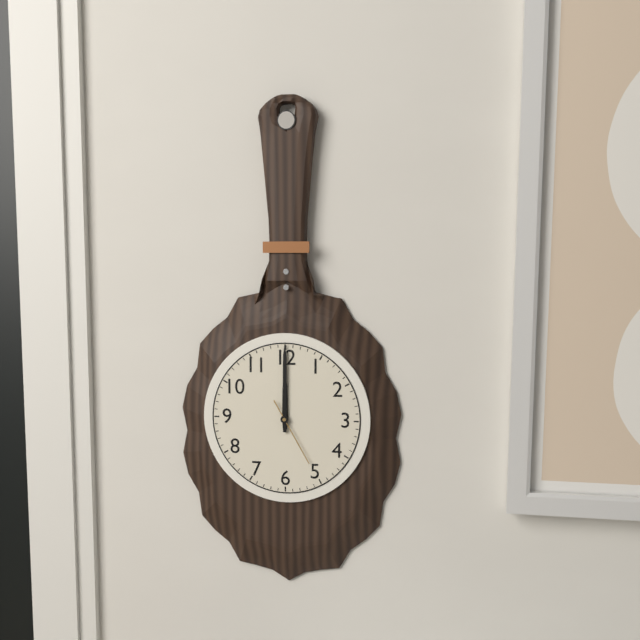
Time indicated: **12:00:25**
